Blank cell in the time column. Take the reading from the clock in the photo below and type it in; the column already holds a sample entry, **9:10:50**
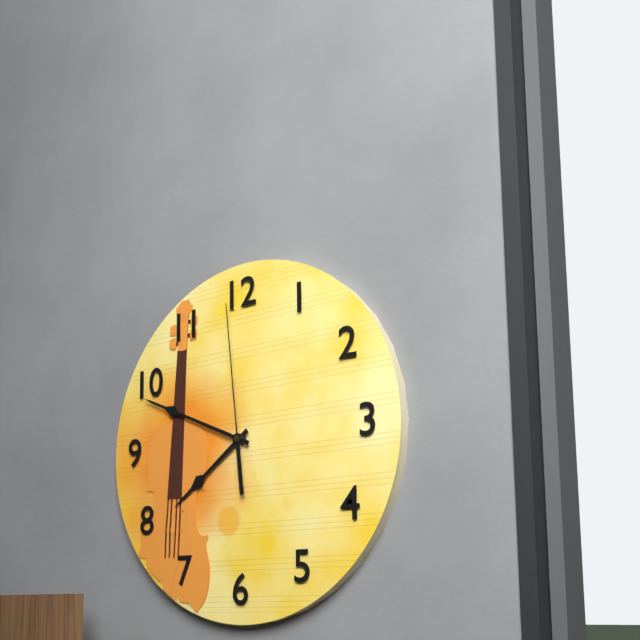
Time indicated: **7:49:59**
